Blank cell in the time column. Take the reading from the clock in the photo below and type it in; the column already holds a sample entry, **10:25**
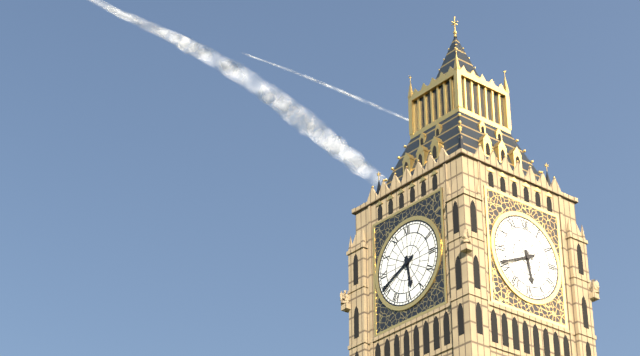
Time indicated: **5:41**
